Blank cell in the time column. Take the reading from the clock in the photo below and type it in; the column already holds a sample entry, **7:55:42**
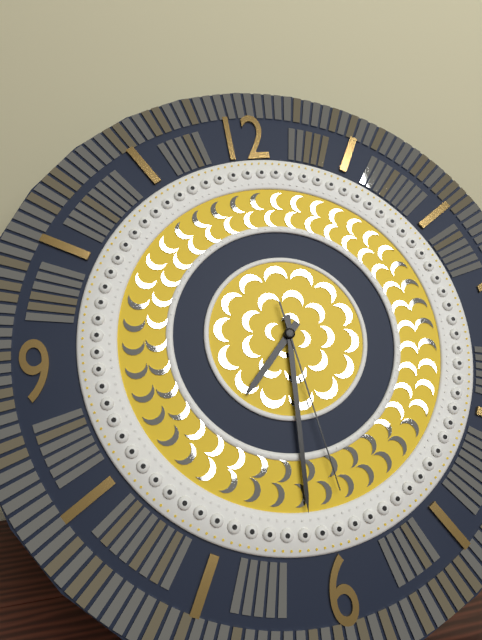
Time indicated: **7:31:29**
